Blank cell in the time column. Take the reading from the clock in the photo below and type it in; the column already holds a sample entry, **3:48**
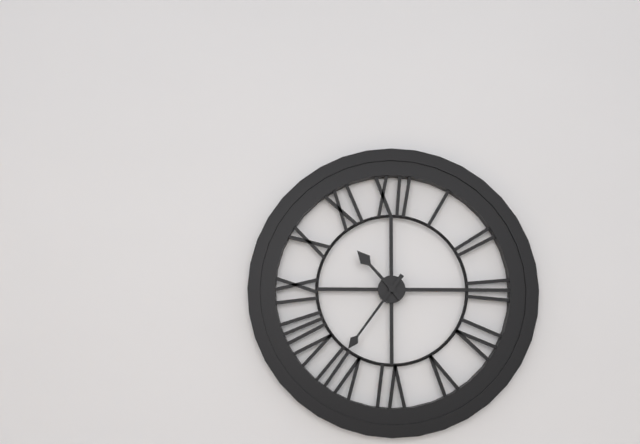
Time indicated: **10:36**
